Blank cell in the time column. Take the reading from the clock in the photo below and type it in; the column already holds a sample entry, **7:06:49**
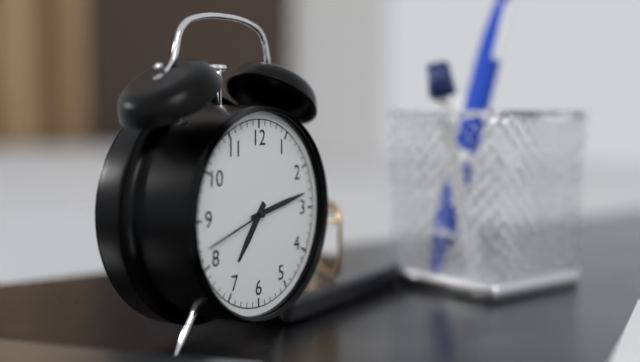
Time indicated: **7:13:42**
